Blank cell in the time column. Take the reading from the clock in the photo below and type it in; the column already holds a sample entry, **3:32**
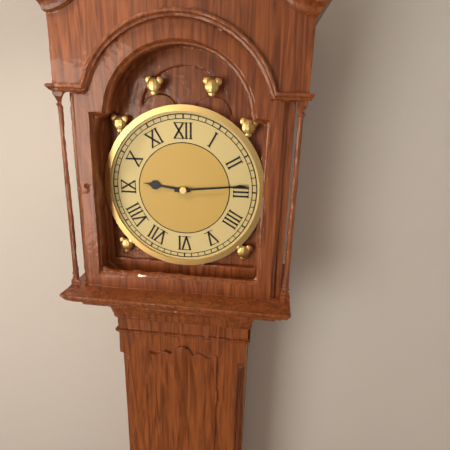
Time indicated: **9:14**
